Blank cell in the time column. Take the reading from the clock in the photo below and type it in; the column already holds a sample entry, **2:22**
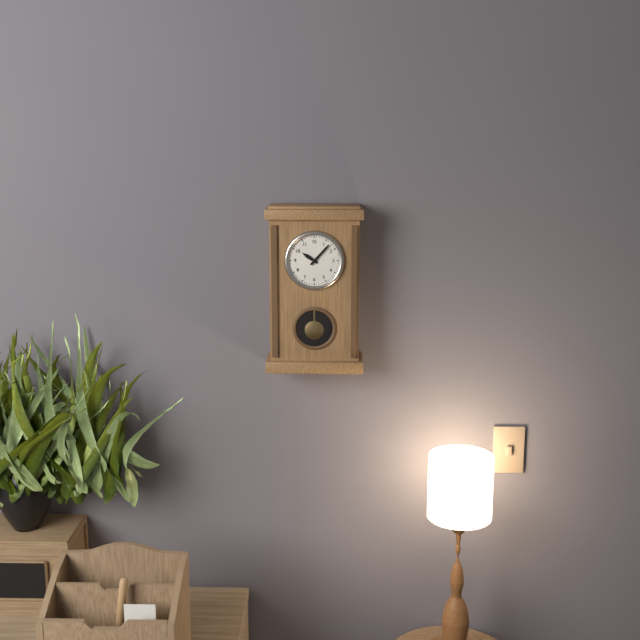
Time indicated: **10:07**
